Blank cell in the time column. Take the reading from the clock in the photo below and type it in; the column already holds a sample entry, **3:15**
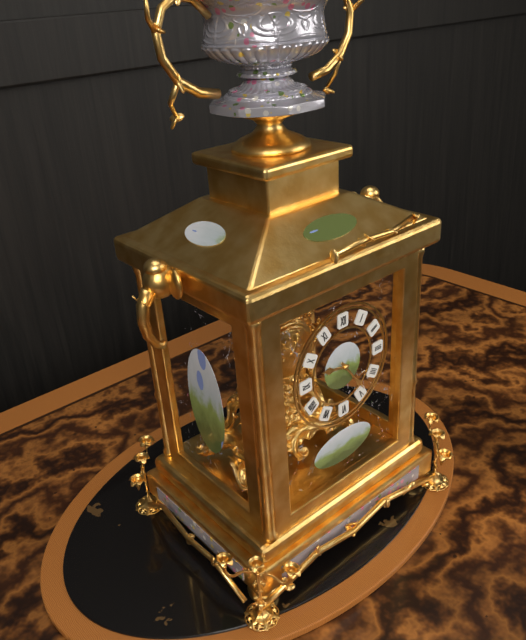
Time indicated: **9:24**
